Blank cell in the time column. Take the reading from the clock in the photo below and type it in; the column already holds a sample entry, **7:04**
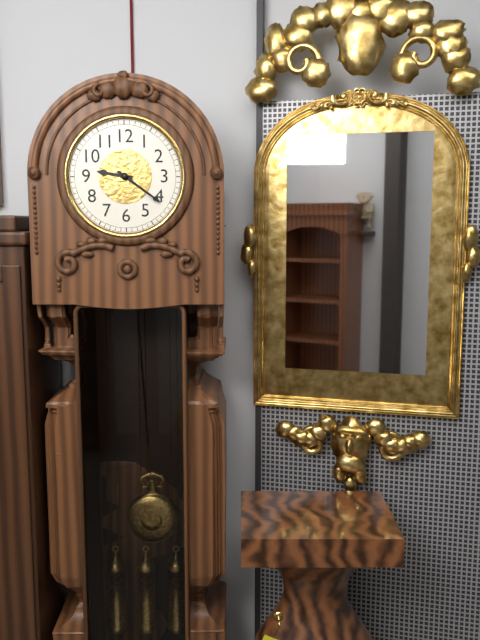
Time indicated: **9:21**
